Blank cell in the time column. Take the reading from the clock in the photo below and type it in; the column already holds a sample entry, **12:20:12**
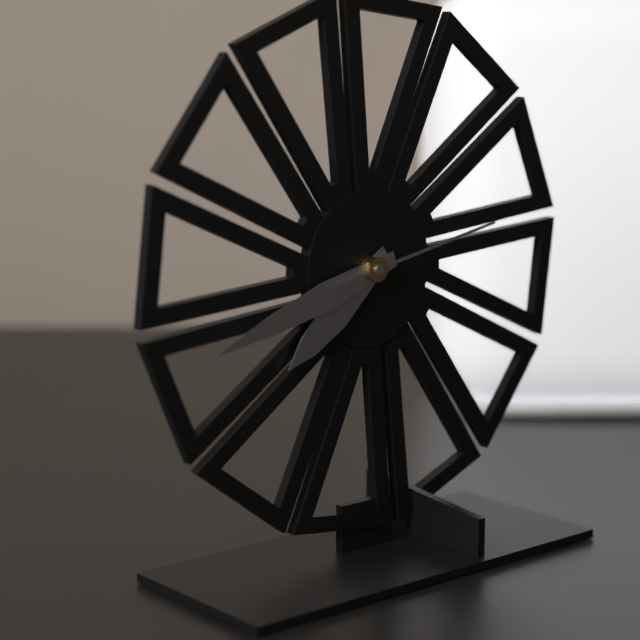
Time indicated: **7:42:13**
